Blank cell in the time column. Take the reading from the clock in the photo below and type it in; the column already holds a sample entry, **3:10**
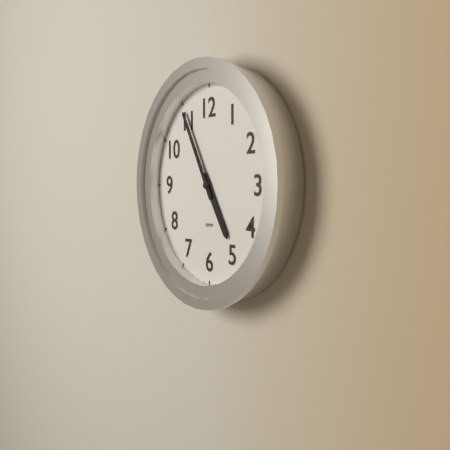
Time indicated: **4:55**
